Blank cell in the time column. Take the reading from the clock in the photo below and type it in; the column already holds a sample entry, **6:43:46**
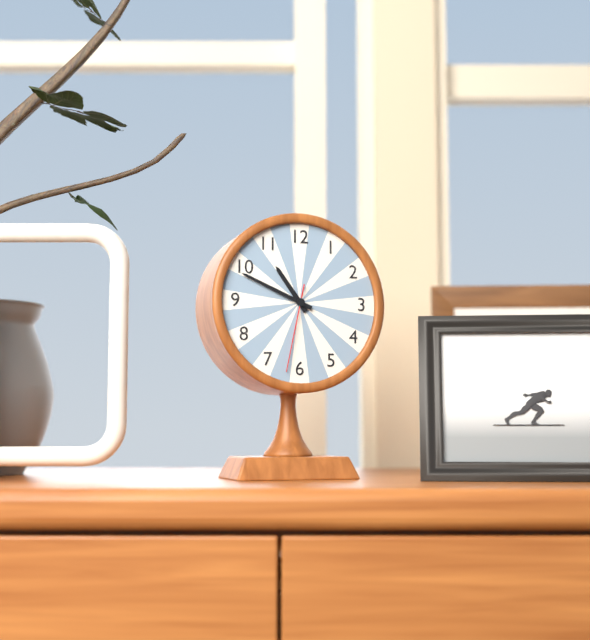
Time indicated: **10:49:32**
